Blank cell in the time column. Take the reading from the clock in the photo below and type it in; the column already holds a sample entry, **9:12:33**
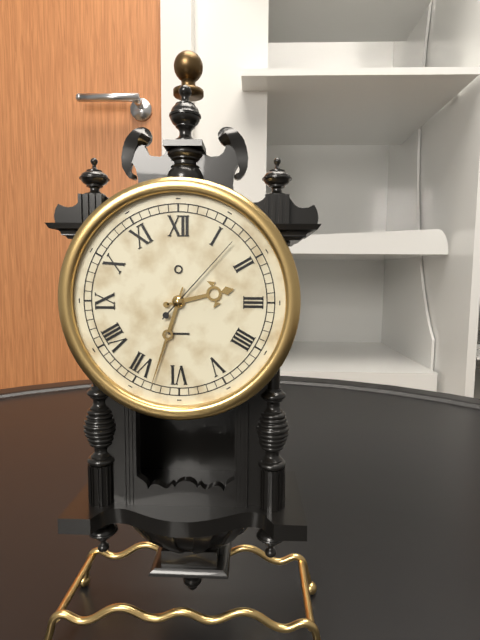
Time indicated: **2:33:07**
